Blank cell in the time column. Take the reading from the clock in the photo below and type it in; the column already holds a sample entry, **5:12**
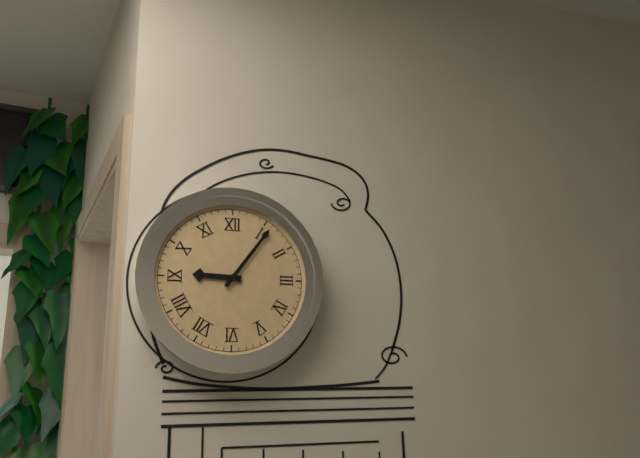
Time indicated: **9:06**
